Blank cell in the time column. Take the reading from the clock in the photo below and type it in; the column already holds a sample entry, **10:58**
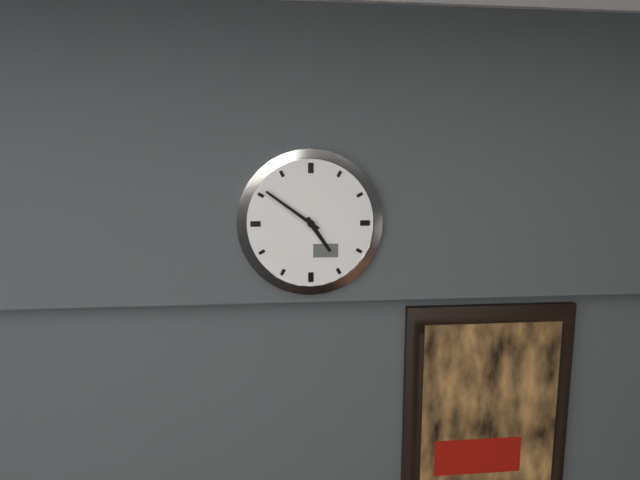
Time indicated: **4:51**
